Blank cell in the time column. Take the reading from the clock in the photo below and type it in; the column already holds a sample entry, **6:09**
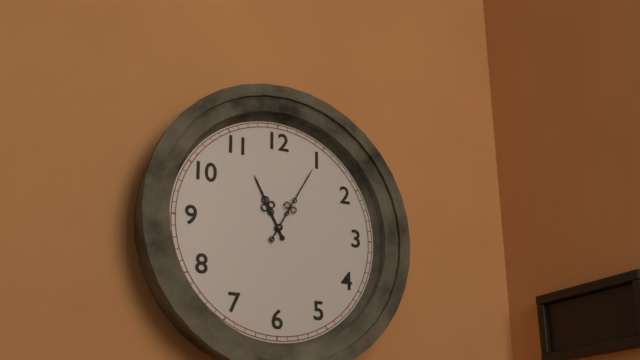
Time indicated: **11:05**
